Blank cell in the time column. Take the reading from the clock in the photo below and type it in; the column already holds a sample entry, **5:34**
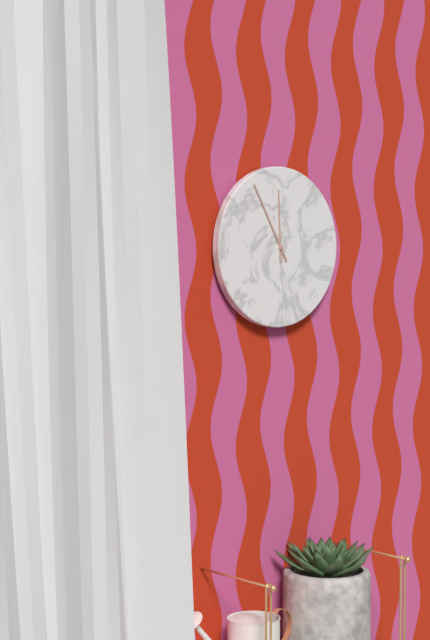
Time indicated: **11:55**
